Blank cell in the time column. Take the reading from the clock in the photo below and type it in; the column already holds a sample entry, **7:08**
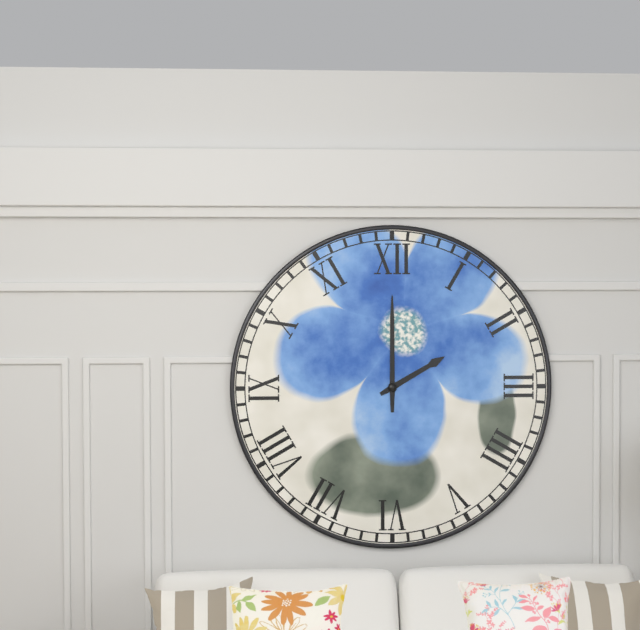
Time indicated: **2:00**
